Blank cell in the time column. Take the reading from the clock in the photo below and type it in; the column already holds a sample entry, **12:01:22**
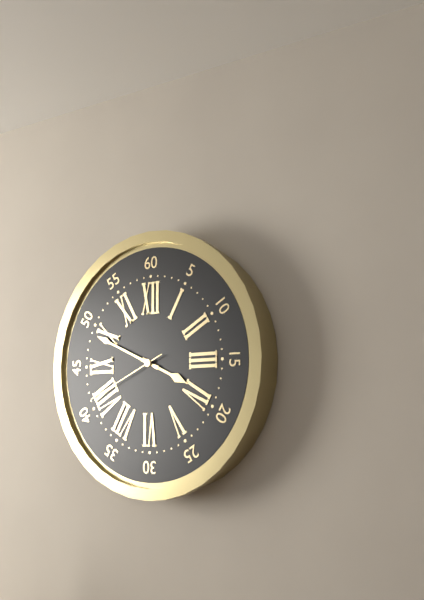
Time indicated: **3:49:41**
